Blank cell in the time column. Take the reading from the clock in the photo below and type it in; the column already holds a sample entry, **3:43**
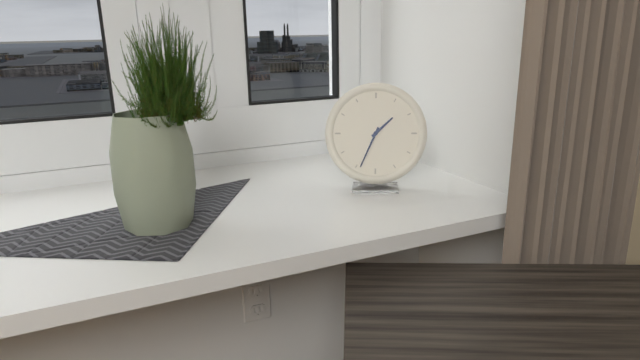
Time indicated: **1:34**
